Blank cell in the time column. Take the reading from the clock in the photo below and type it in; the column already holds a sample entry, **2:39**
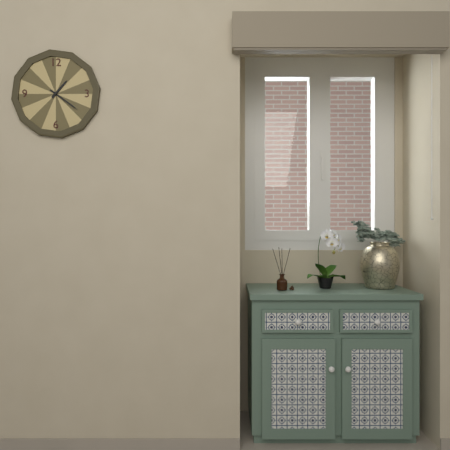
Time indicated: **1:21**
